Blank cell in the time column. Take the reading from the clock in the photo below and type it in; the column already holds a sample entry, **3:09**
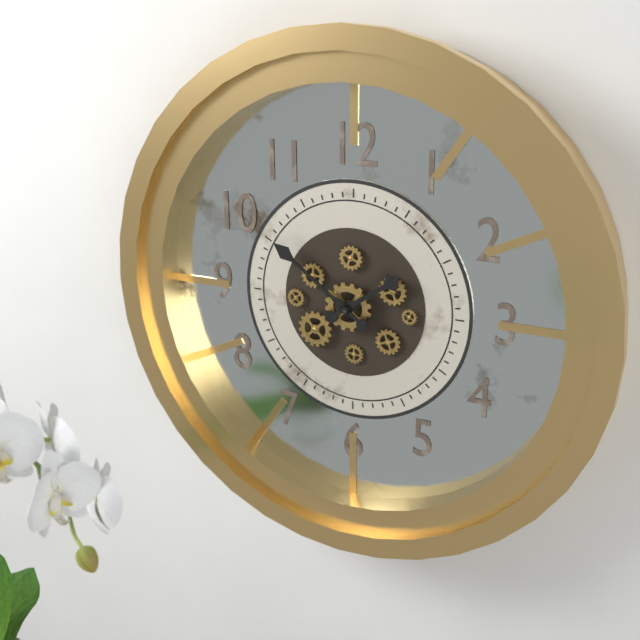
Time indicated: **1:51**
